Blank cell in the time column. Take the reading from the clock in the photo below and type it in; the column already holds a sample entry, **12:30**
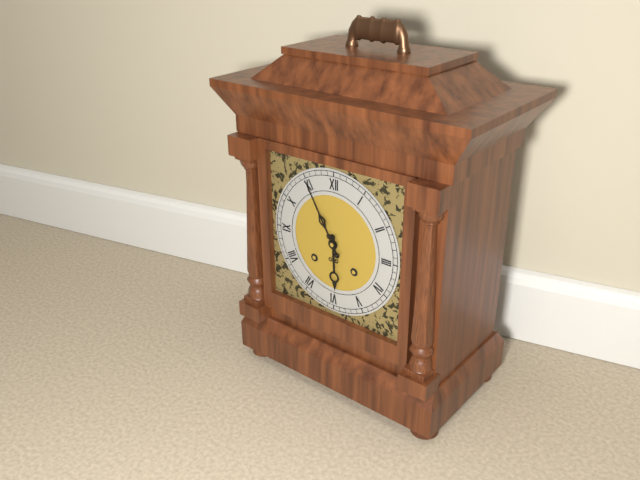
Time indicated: **5:55**
